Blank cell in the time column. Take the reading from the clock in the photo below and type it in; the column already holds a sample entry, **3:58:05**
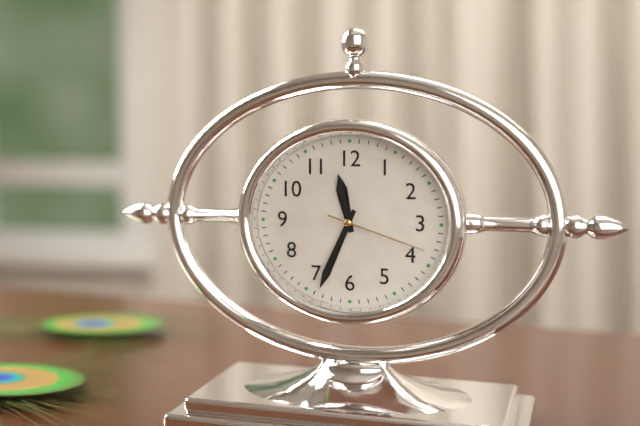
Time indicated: **11:34:18**
